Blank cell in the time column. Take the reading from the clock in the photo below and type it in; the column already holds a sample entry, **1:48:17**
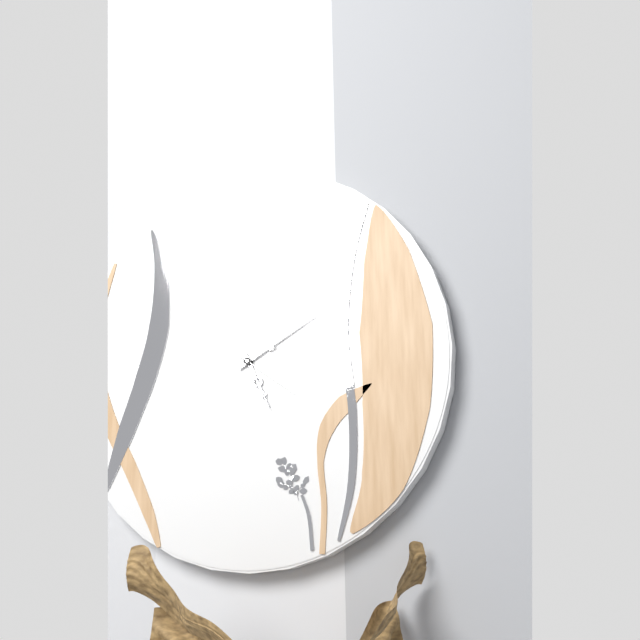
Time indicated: **5:10:21**
